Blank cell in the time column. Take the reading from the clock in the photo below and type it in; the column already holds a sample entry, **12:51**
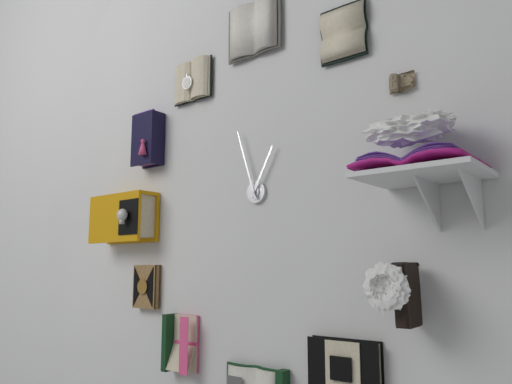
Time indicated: **12:57**
